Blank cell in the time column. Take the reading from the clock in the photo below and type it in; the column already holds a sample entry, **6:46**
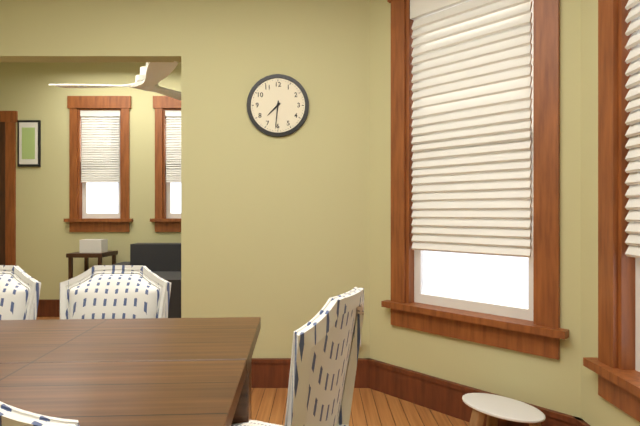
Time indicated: **7:31**
